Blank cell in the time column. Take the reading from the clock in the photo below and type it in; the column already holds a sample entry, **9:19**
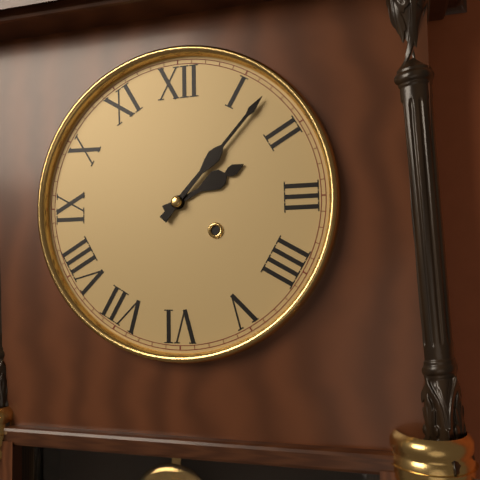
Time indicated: **2:07**
